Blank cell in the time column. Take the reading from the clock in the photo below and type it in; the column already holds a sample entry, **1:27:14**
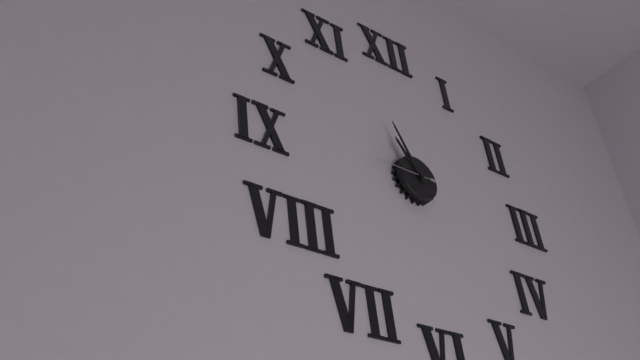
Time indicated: **10:56:45**
